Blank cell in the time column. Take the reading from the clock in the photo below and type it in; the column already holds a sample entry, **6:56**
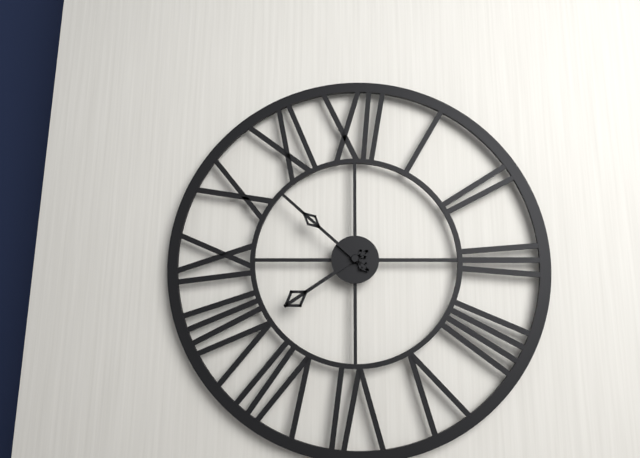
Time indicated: **7:52**
